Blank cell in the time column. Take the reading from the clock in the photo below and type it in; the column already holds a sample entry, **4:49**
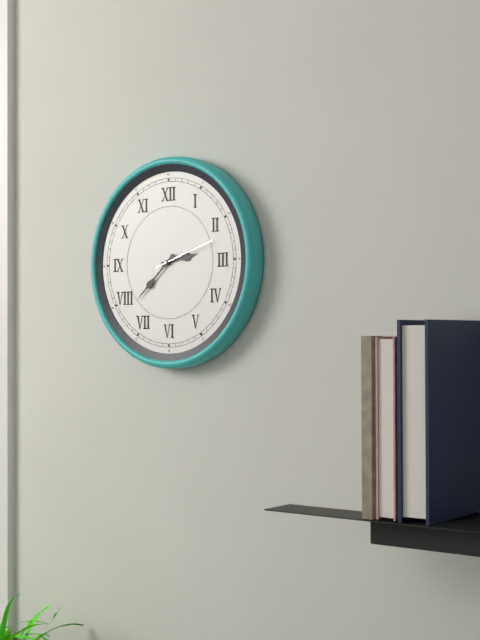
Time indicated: **2:38**
